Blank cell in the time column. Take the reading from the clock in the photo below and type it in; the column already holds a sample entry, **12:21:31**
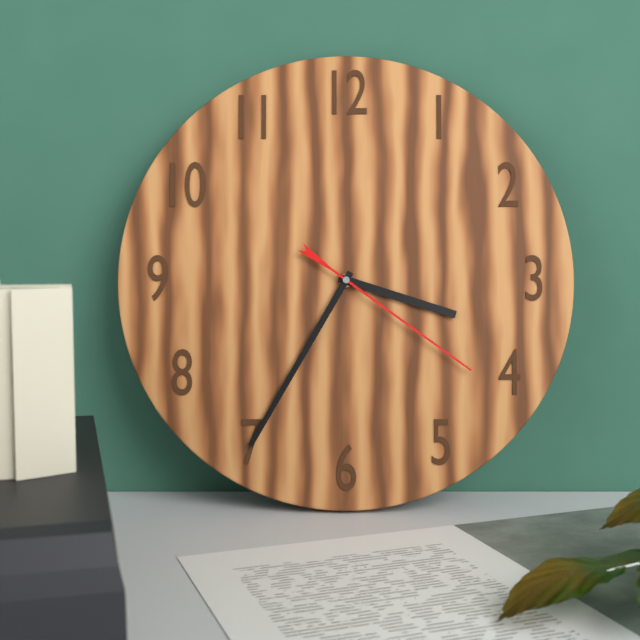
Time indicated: **3:35:21**
